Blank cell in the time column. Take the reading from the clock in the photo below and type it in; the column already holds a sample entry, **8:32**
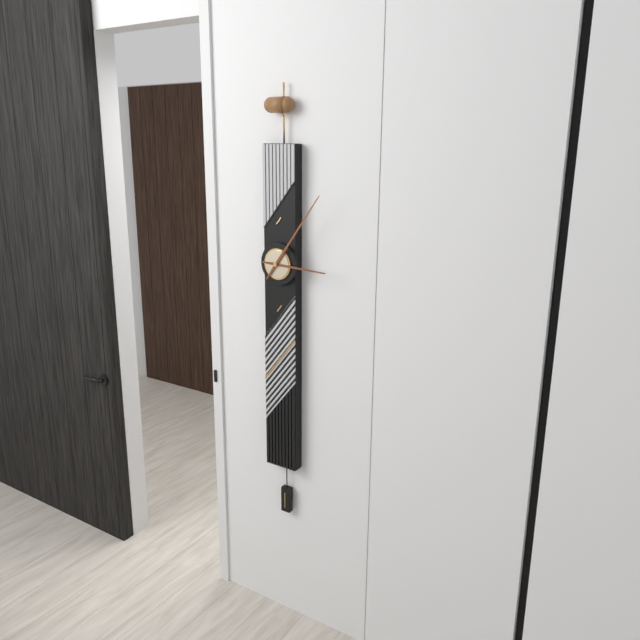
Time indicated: **3:06**
